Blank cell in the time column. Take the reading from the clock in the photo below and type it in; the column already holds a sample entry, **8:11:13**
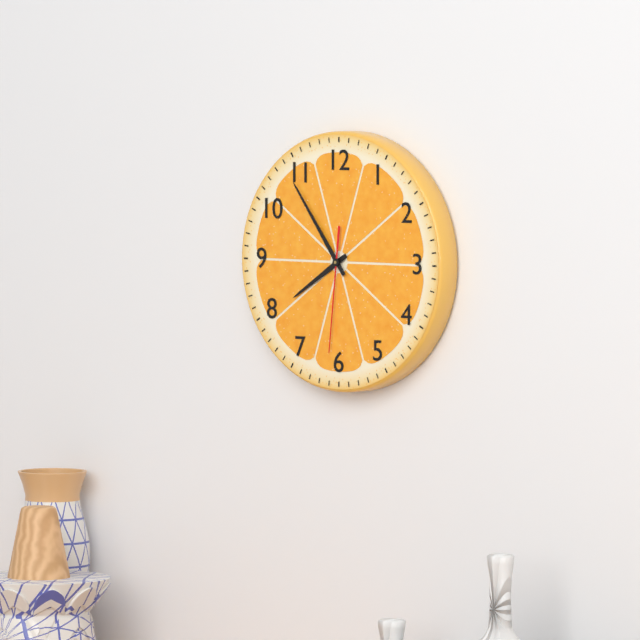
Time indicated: **7:54:31**
